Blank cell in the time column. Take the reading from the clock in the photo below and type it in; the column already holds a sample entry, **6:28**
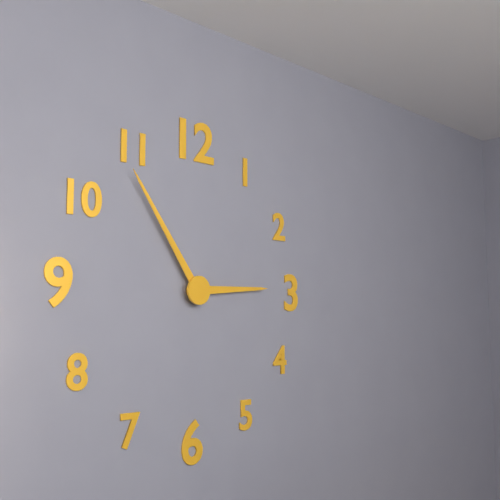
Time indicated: **2:54**
